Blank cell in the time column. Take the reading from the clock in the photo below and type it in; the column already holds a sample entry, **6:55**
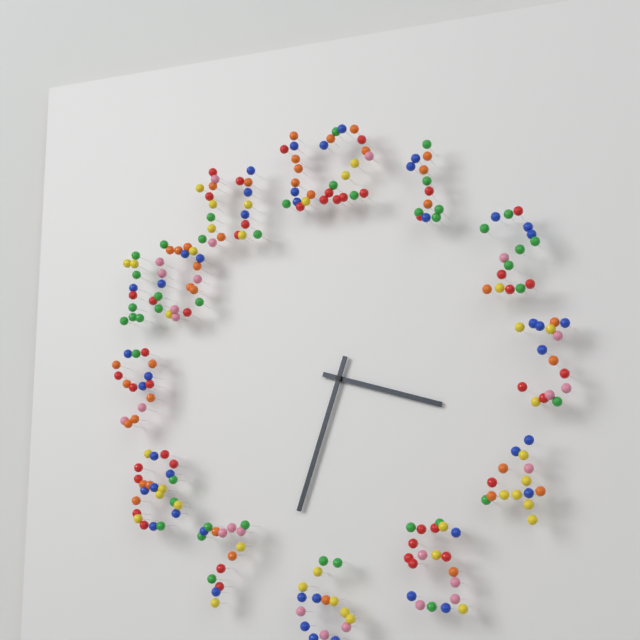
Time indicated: **3:33**
